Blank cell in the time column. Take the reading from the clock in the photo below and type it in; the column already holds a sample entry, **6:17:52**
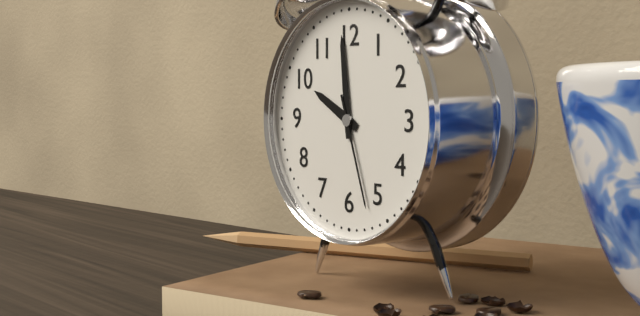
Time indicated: **9:59:27**
